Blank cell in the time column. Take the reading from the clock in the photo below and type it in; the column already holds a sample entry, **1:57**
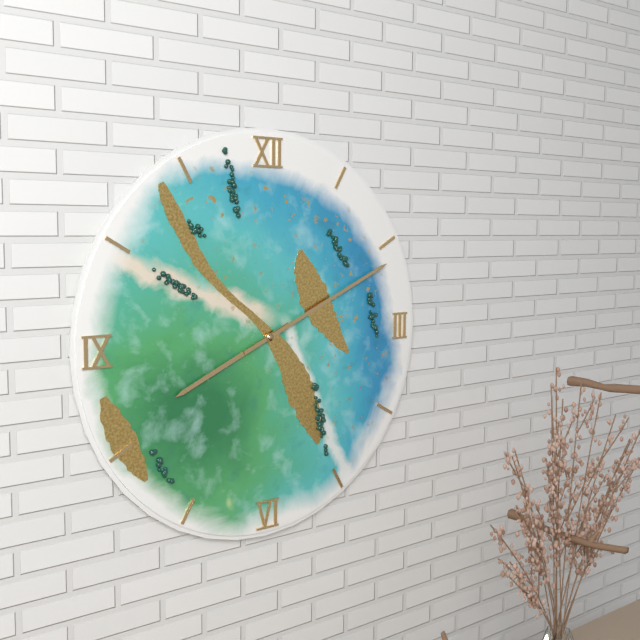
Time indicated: **8:11**
